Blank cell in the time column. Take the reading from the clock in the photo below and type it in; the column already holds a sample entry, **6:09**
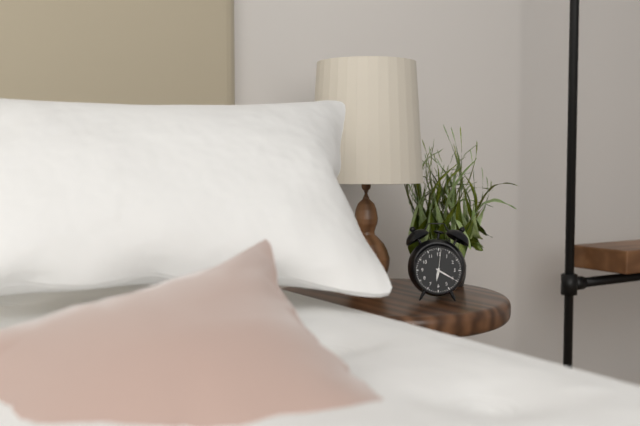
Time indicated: **6:20**
